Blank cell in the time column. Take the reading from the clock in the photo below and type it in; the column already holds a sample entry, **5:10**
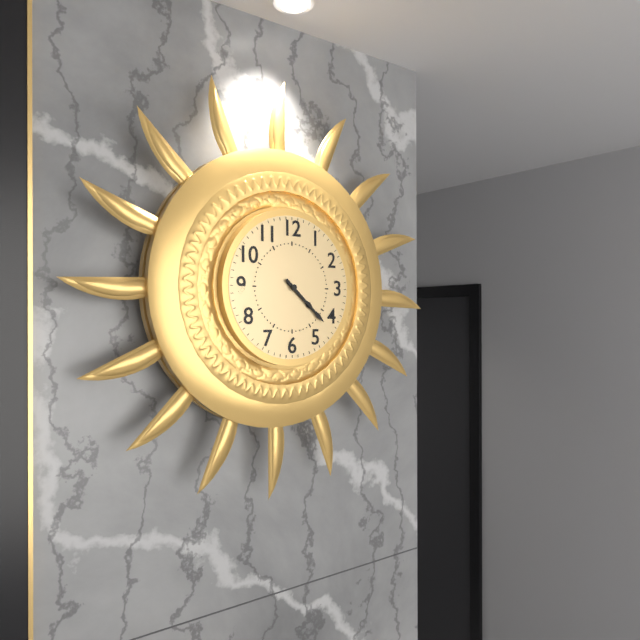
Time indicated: **4:22**
